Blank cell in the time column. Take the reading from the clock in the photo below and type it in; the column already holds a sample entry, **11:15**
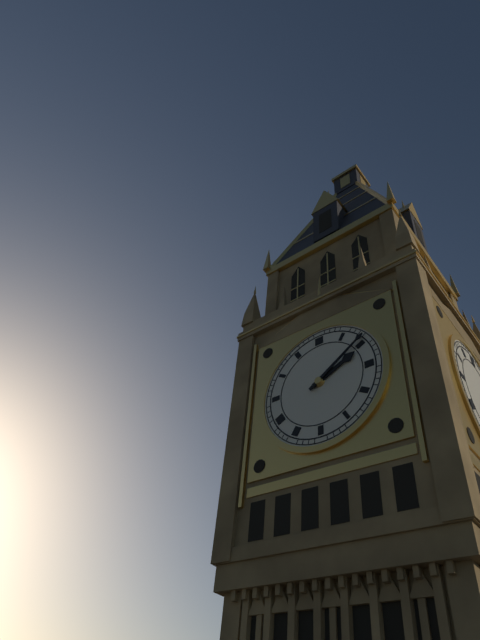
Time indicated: **2:09**
